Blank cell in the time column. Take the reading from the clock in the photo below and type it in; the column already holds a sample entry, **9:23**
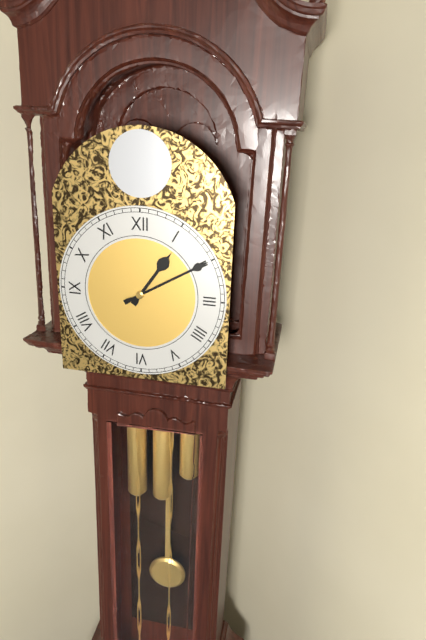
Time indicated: **1:10**
